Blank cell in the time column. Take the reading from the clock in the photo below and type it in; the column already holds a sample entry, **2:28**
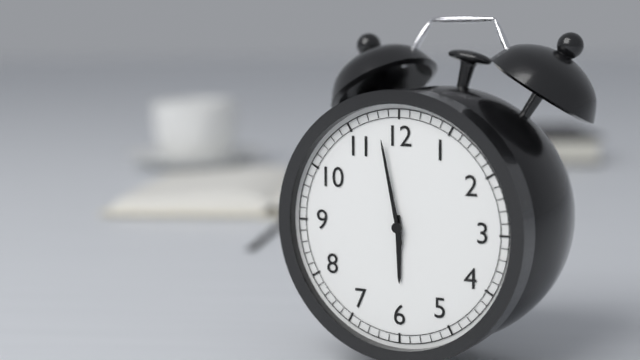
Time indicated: **5:58**
